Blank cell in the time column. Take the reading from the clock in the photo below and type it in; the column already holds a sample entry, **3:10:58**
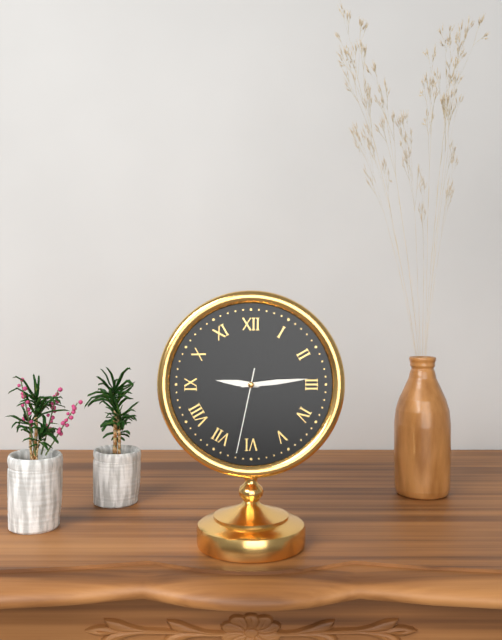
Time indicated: **9:14:32**
